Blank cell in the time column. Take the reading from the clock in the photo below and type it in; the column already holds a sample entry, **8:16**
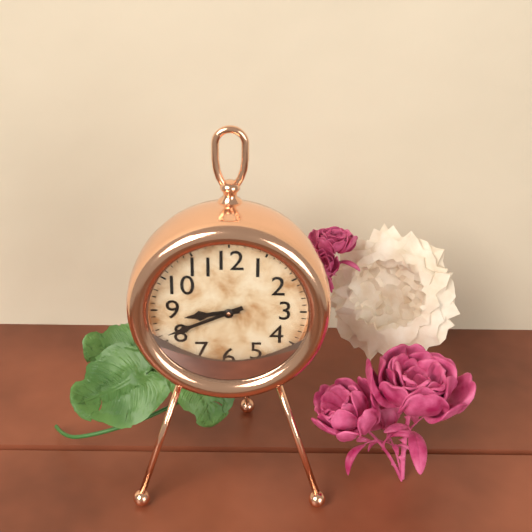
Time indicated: **8:41**
